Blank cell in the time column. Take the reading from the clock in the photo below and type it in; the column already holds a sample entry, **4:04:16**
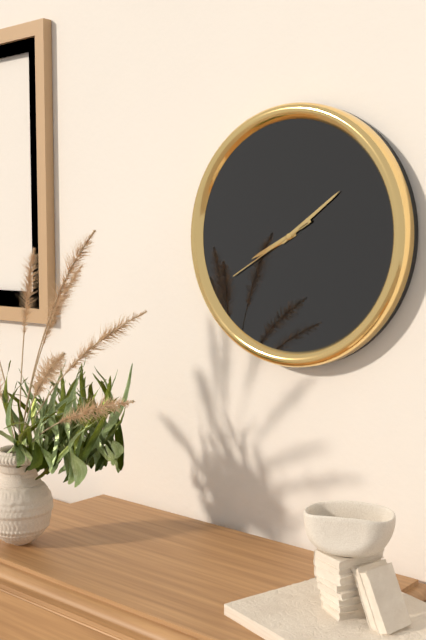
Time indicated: **8:09:40**
